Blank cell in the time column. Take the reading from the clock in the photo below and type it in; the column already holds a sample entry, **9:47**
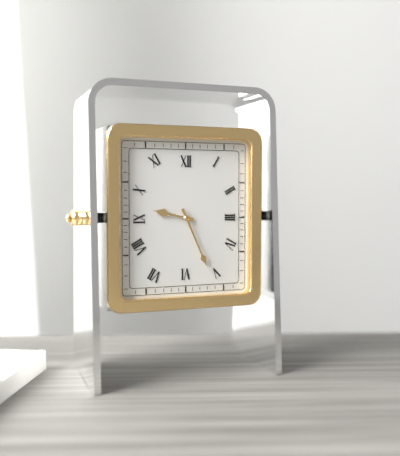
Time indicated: **9:26**
